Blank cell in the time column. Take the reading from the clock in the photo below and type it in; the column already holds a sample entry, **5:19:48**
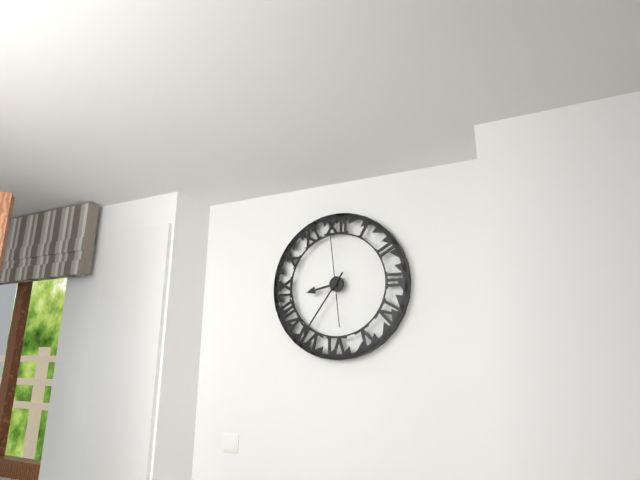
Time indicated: **8:36:59**
